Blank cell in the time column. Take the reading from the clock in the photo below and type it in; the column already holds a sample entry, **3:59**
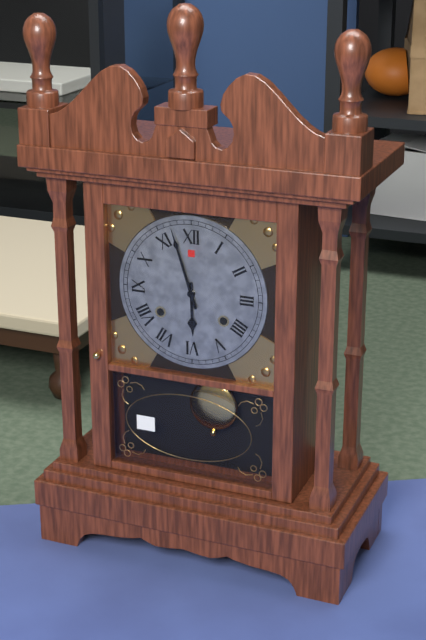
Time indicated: **5:57**
